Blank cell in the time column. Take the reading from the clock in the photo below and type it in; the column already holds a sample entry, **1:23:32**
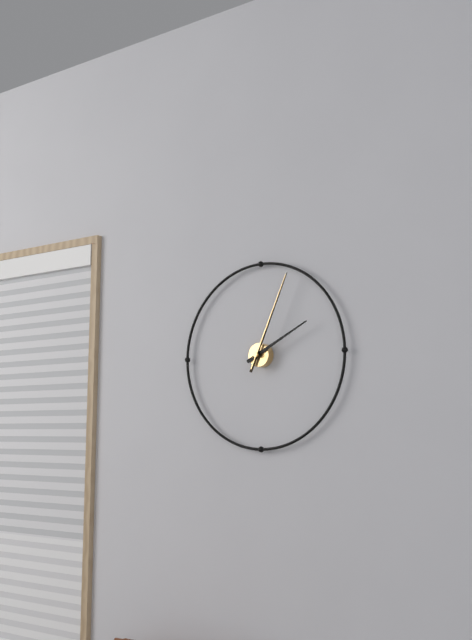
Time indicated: **2:04:04**
